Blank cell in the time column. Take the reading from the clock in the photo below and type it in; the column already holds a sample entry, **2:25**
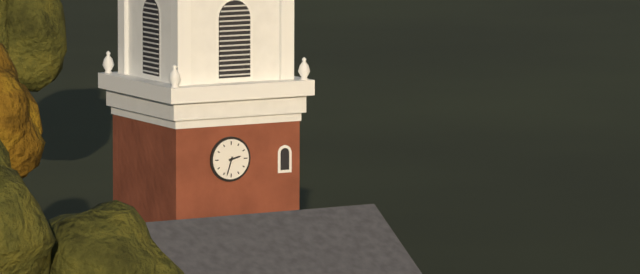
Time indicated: **2:33**
